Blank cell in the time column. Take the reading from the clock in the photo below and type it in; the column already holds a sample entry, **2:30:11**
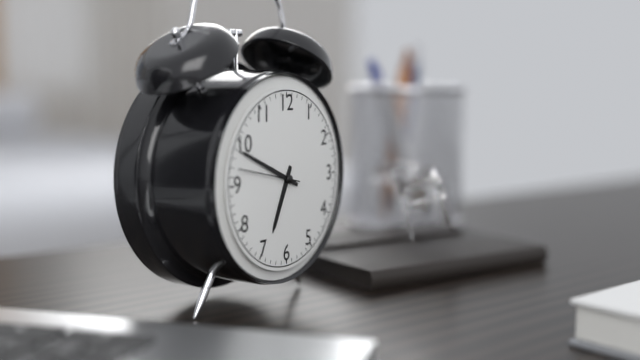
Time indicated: **6:49:47**
